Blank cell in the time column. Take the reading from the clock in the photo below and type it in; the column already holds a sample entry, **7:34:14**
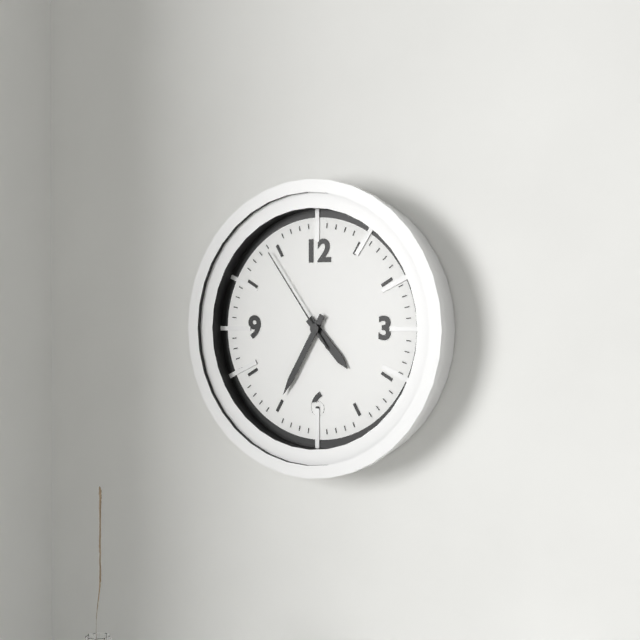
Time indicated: **4:35:54**
